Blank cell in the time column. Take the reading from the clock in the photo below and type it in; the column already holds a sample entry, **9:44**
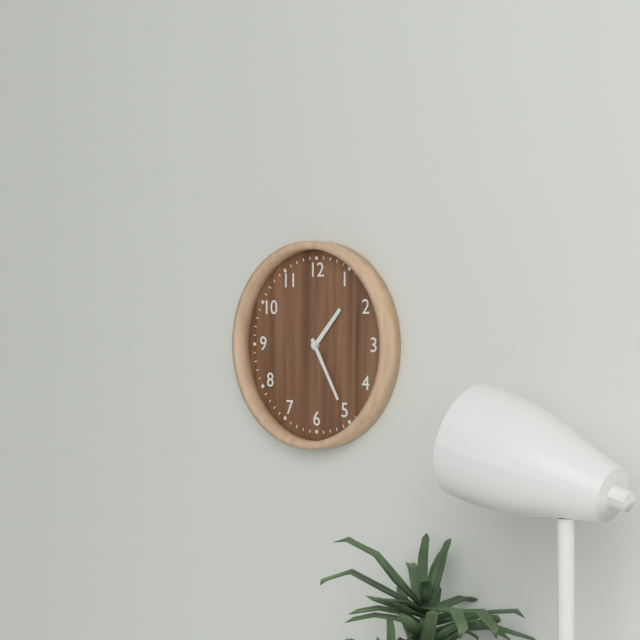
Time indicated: **1:25**
